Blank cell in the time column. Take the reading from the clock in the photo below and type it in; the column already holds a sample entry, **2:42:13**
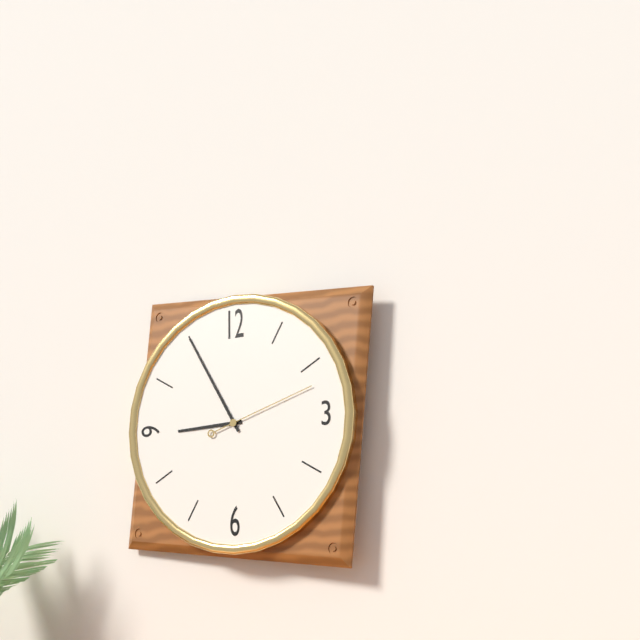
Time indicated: **8:55:12**
